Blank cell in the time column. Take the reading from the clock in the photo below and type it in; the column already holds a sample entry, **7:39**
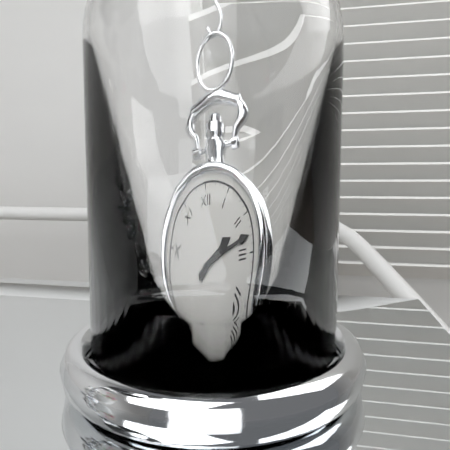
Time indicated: **2:13**
